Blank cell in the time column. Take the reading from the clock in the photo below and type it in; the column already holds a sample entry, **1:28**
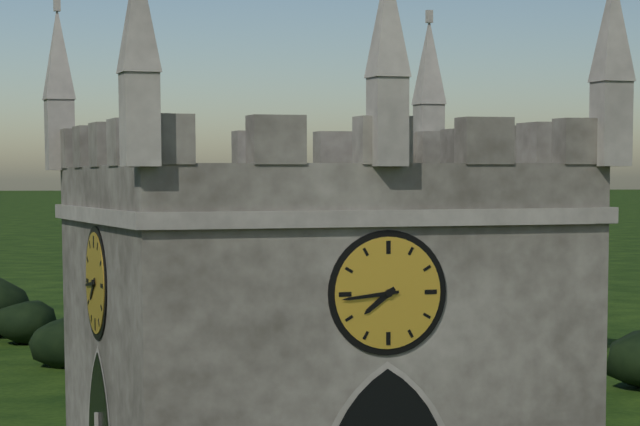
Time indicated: **7:44**
